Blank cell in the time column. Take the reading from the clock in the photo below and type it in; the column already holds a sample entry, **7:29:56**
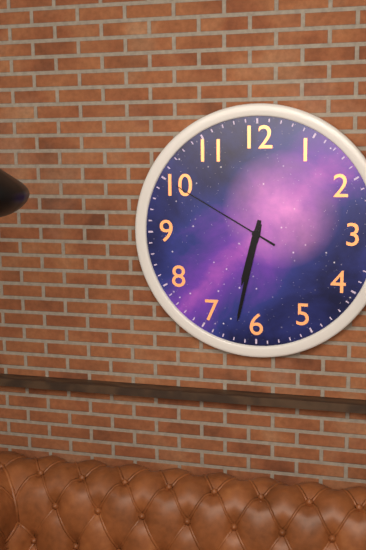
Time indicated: **6:32:50**
